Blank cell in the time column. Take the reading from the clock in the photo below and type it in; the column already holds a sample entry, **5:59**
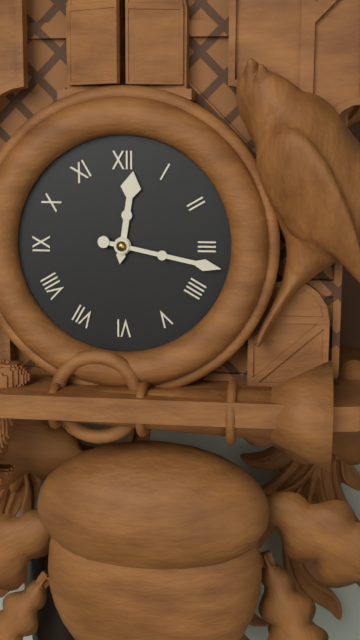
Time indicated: **12:17**
